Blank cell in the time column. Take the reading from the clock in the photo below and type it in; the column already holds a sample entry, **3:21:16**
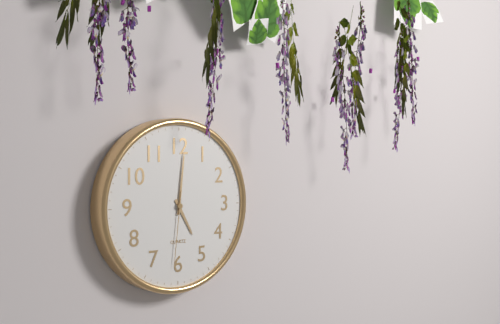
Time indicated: **5:01:31**
